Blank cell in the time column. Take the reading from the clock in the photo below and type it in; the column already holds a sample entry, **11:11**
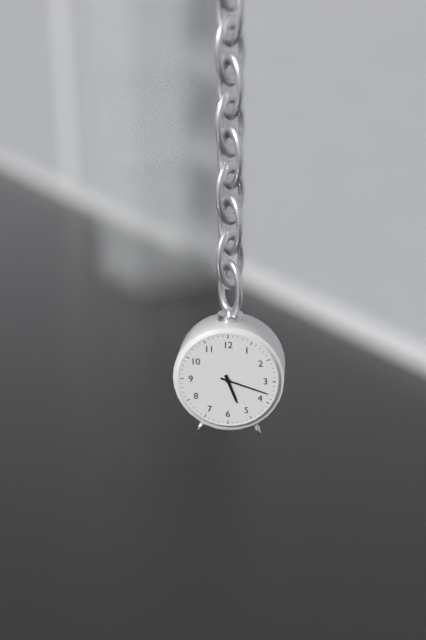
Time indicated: **5:18**
